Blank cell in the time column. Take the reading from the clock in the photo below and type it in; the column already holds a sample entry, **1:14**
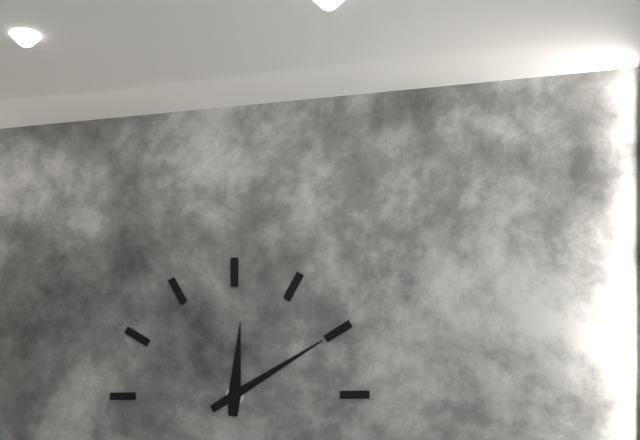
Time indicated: **12:10**
